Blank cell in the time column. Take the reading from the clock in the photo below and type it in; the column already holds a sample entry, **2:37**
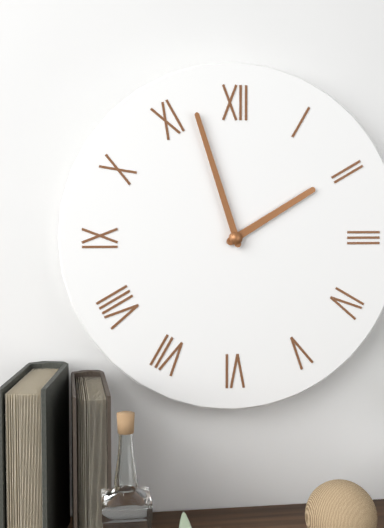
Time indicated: **1:57**
